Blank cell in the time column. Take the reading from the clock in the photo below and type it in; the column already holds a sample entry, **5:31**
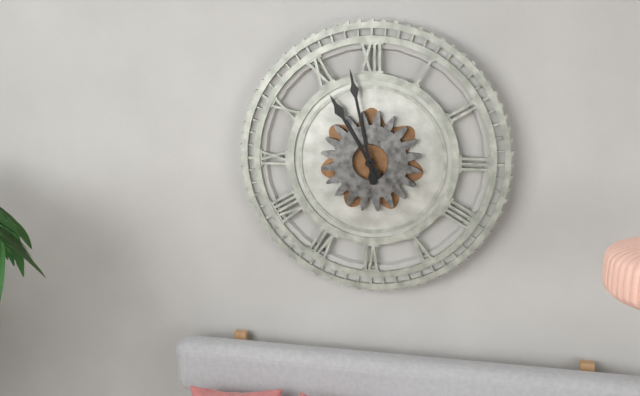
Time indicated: **10:58**
